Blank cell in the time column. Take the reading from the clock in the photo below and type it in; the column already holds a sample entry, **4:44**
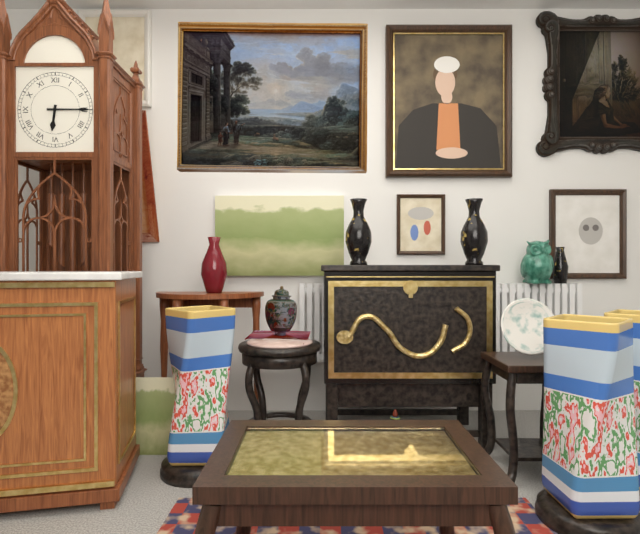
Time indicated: **6:15**
